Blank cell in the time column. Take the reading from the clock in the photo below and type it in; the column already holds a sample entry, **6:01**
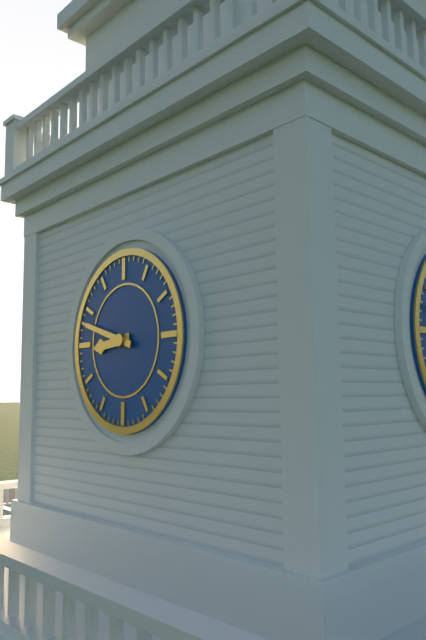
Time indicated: **8:48**
